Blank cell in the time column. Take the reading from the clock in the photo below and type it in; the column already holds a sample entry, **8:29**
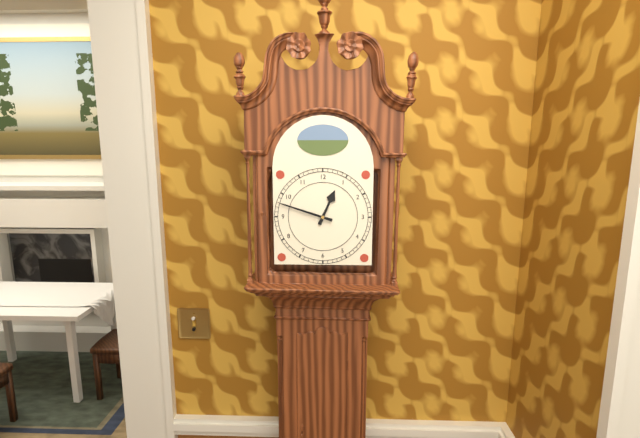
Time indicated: **12:48**
